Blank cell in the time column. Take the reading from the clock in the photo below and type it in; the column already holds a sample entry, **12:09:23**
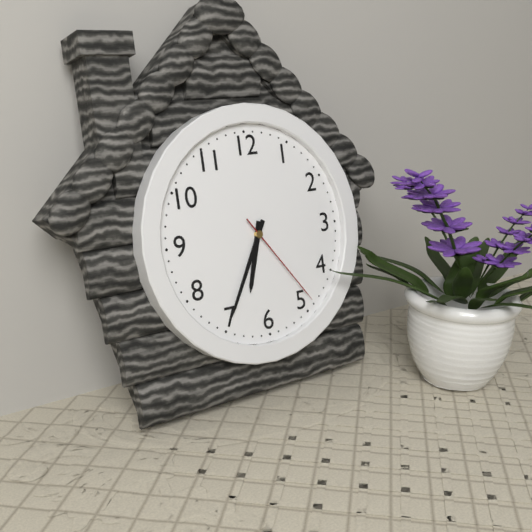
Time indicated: **6:35:24**
